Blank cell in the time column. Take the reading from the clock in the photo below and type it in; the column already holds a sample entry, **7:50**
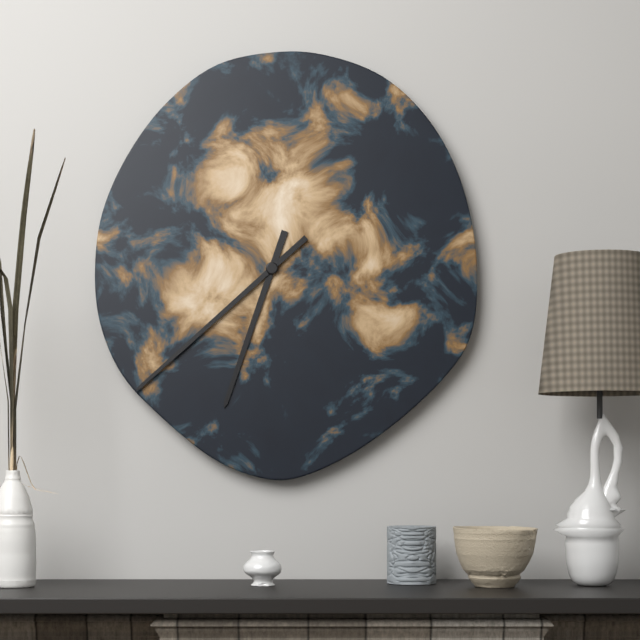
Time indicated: **6:38**
